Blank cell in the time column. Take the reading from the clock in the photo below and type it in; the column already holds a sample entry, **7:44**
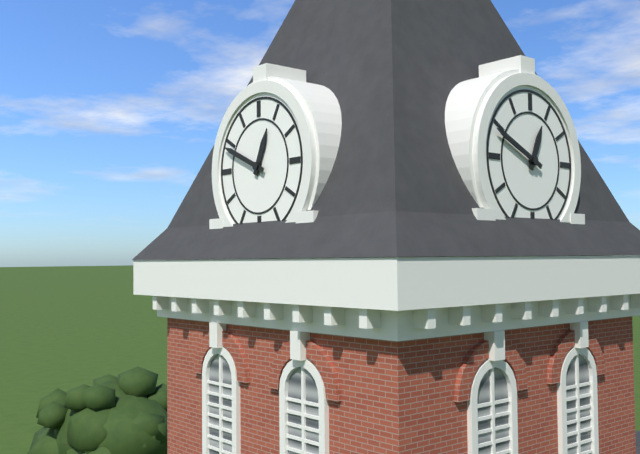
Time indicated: **12:49**
